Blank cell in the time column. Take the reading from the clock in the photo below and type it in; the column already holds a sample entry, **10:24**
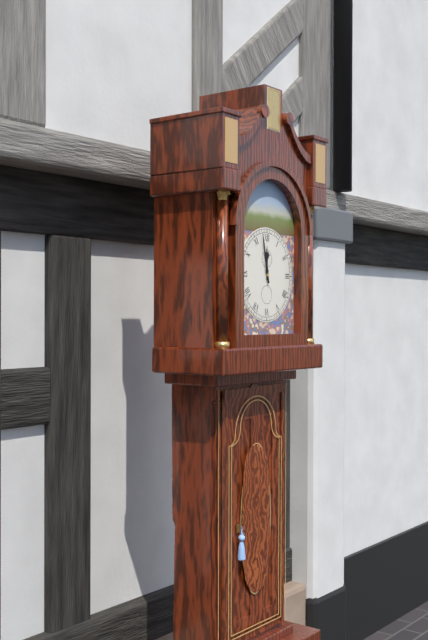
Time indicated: **11:58**
